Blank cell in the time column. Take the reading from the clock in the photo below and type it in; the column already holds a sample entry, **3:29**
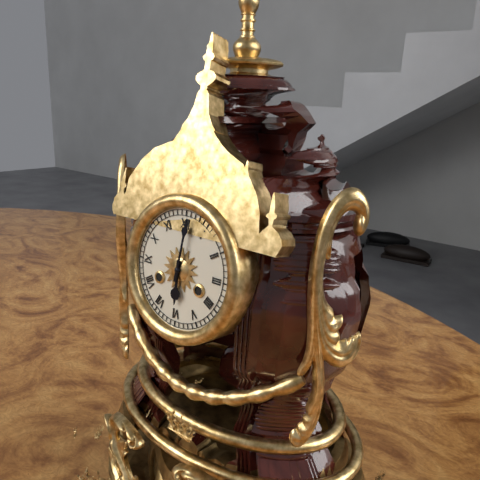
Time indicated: **6:01**
